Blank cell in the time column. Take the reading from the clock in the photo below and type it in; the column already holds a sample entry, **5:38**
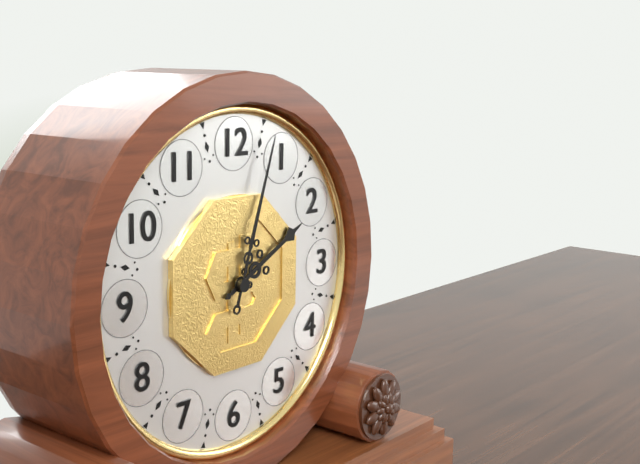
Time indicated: **2:03**
